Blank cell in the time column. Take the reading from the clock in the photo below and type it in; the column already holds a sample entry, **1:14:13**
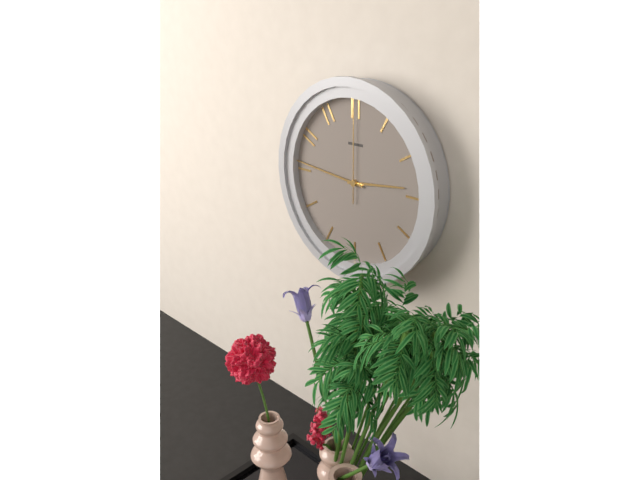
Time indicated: **2:46:00**
